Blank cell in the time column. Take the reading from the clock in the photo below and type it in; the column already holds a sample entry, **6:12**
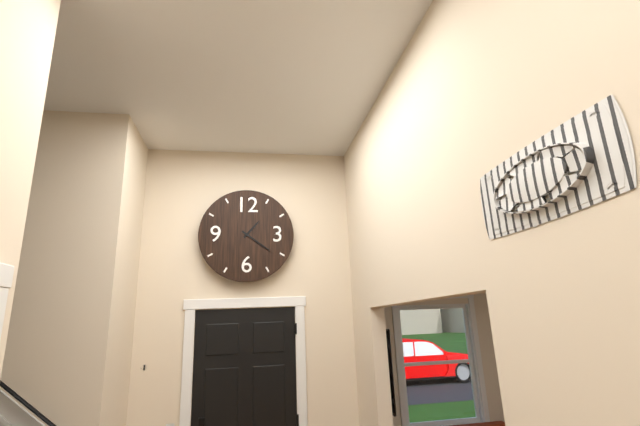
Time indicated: **1:21**
